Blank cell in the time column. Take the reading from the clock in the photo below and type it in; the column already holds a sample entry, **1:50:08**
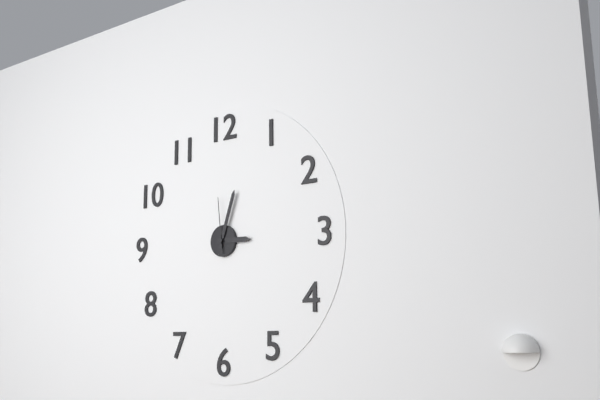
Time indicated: **3:03:59**
